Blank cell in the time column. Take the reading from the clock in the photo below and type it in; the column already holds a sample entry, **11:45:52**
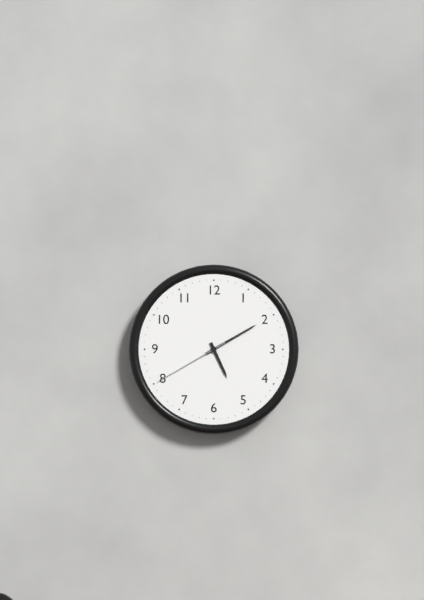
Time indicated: **5:10:40**
